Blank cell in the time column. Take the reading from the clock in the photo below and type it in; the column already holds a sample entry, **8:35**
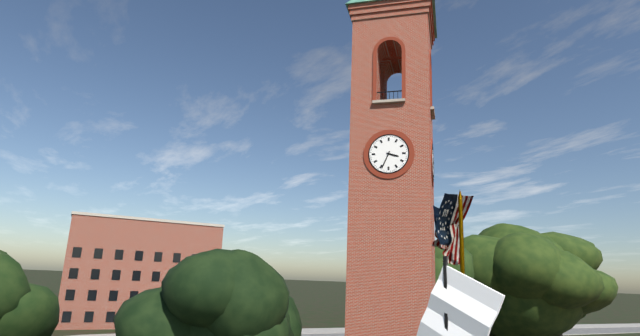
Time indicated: **3:34**
